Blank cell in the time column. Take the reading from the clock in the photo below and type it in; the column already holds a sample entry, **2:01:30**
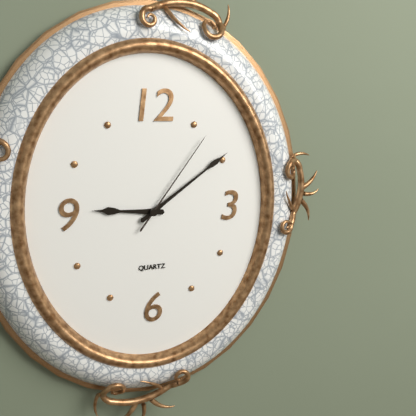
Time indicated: **9:09:06**
